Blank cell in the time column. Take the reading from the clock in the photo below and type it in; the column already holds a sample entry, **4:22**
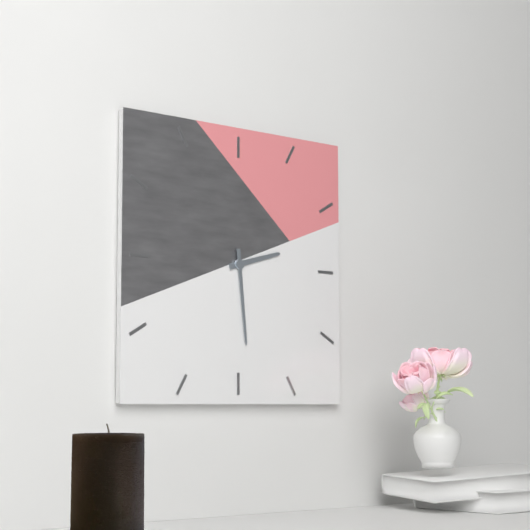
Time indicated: **2:29**
